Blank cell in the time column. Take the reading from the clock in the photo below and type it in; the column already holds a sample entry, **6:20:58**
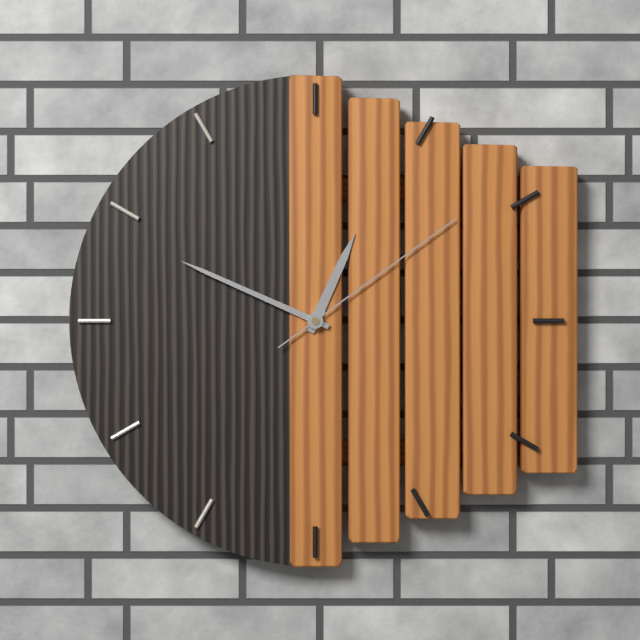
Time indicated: **12:49:09**
